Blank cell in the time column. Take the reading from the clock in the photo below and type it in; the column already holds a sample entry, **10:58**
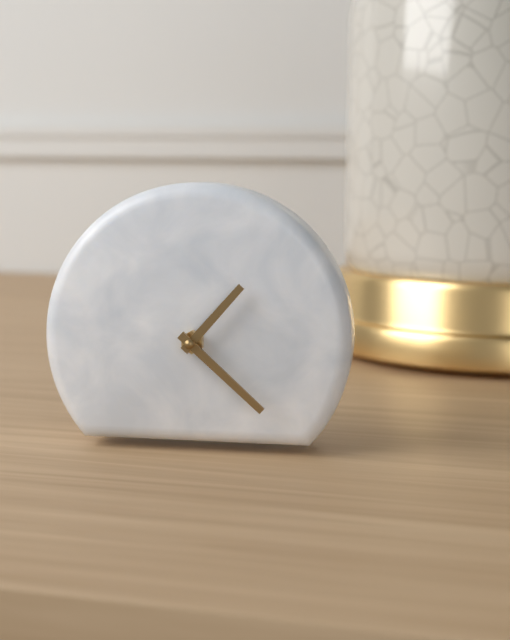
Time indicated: **1:22**
